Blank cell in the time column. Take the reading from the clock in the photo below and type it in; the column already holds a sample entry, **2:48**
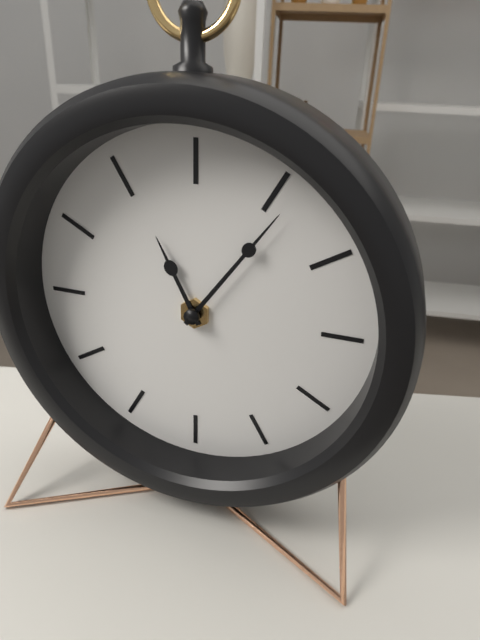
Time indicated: **11:06**
